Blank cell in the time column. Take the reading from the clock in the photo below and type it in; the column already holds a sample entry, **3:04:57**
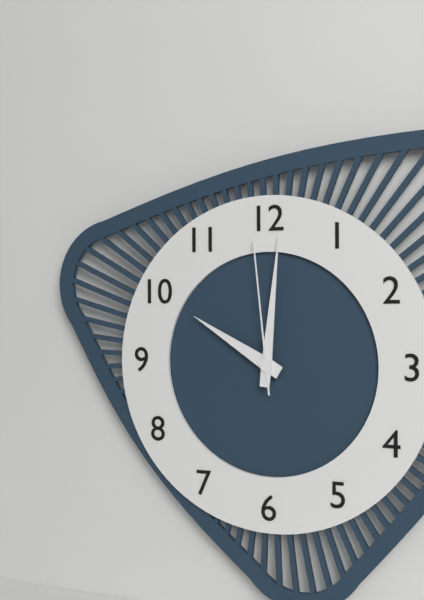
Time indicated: **10:01:59**
